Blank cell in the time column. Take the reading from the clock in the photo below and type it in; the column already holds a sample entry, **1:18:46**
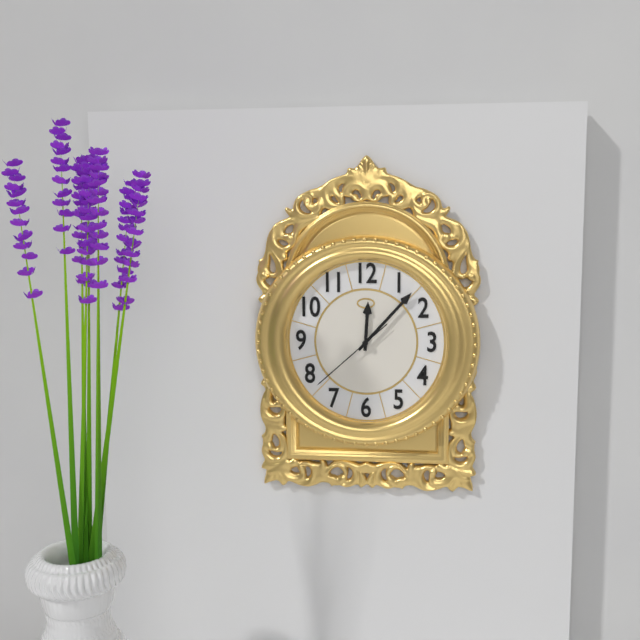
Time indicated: **12:07:38**
